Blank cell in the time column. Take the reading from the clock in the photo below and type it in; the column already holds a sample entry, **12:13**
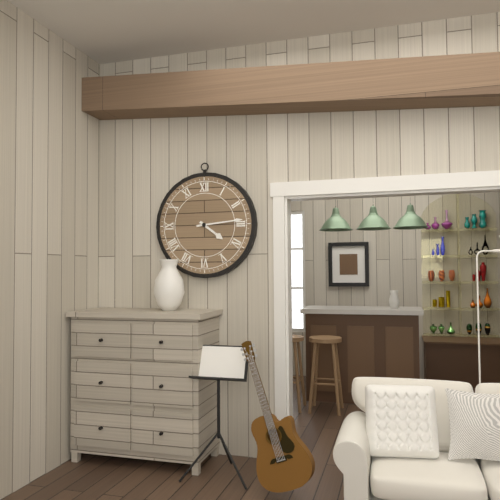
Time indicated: **4:14**
